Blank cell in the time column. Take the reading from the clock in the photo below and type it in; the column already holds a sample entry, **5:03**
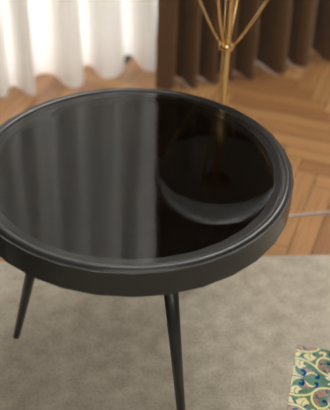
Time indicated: **8:46**
